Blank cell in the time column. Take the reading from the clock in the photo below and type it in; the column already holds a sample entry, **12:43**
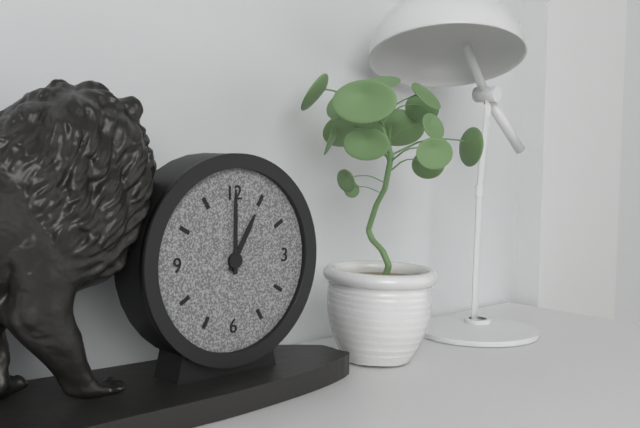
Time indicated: **1:00**
